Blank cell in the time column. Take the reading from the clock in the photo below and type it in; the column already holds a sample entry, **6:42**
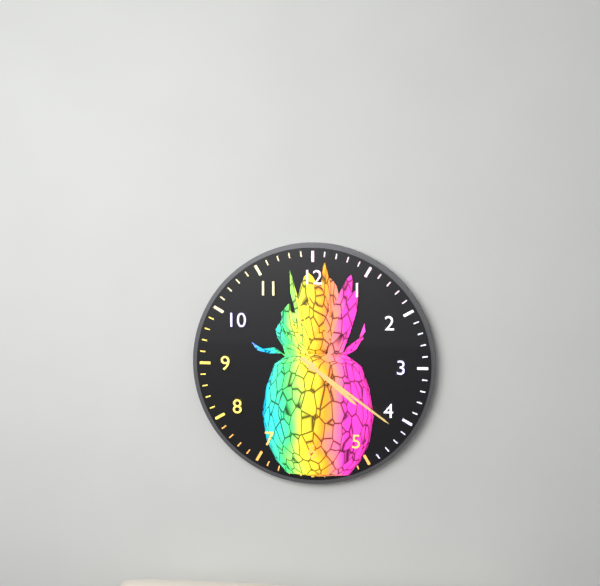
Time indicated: **4:21**
